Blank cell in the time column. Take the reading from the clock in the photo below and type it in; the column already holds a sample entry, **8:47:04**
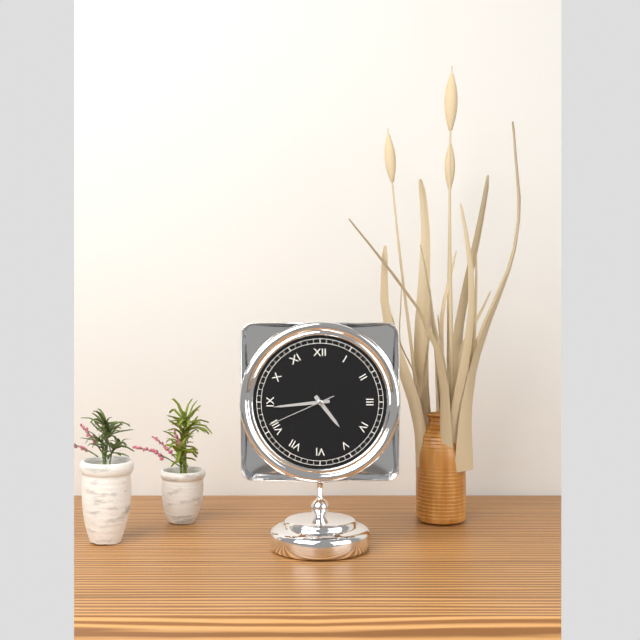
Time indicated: **4:44:41**
